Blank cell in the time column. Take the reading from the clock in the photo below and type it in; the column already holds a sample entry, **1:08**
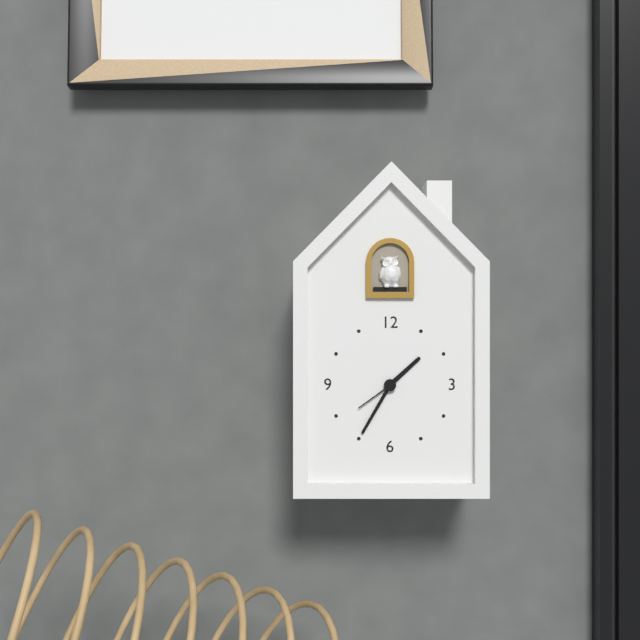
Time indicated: **1:35**
